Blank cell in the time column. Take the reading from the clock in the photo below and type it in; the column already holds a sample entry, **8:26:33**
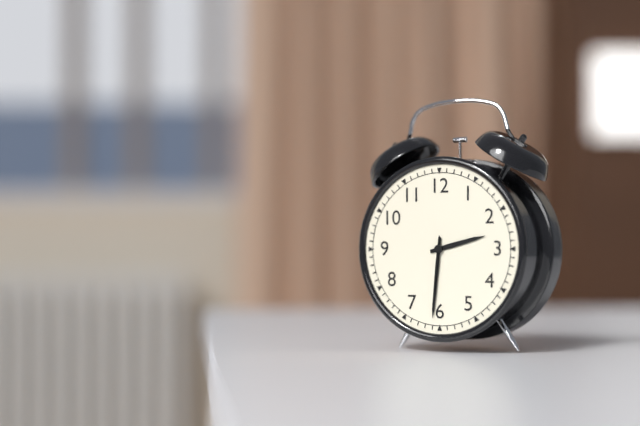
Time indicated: **2:31:31**
